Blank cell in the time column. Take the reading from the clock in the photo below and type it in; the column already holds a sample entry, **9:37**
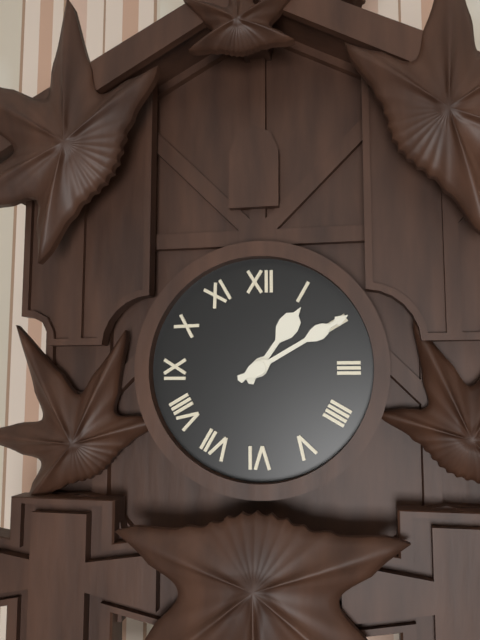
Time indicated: **1:10**
